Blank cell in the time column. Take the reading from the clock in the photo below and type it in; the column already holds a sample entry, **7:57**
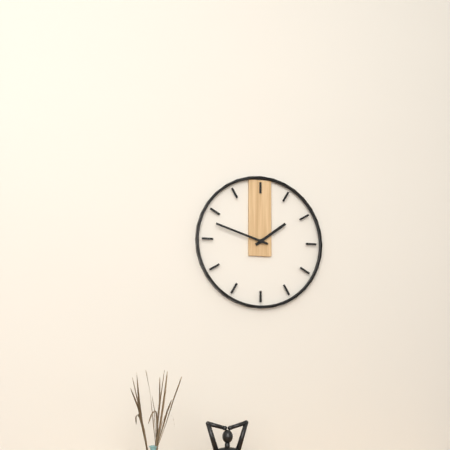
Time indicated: **1:48**
